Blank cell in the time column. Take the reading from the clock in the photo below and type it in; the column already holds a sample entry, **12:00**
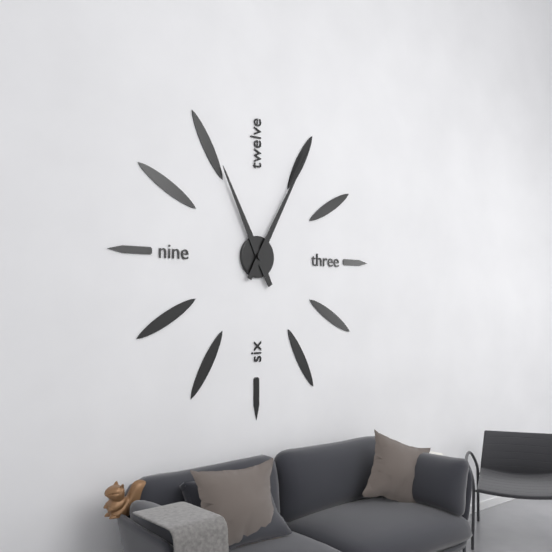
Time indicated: **11:05**
